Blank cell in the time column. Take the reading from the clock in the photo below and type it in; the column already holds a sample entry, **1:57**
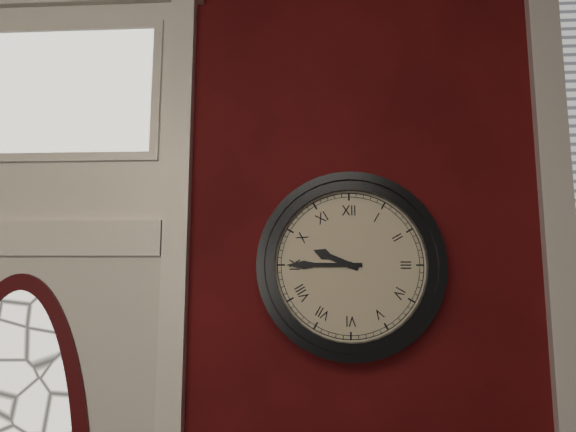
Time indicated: **9:45**
